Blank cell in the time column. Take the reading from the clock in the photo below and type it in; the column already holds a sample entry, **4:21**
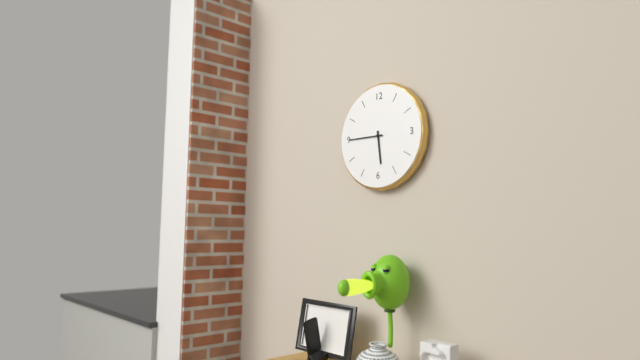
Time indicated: **5:45**
